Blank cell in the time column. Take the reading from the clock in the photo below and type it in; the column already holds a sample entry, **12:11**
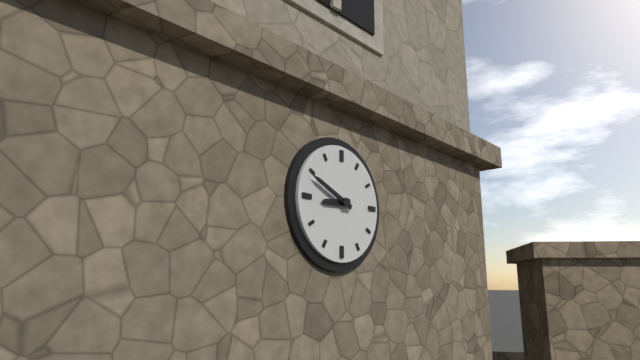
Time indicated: **8:49**
